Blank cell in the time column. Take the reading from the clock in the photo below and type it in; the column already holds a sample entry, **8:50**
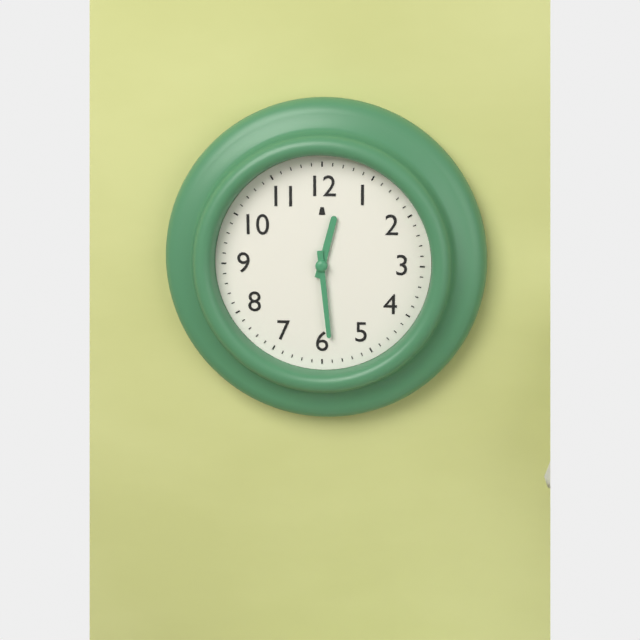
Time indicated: **12:29**
